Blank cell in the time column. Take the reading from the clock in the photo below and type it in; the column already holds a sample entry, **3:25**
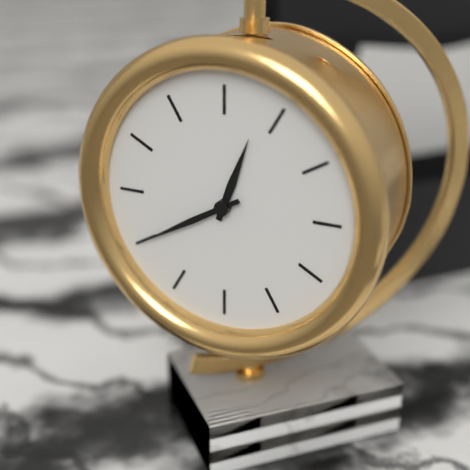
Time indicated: **12:40**
